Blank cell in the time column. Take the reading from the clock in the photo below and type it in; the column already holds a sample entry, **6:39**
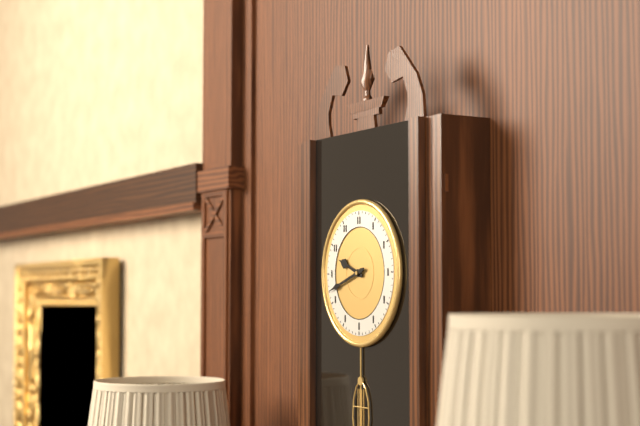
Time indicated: **9:42**
